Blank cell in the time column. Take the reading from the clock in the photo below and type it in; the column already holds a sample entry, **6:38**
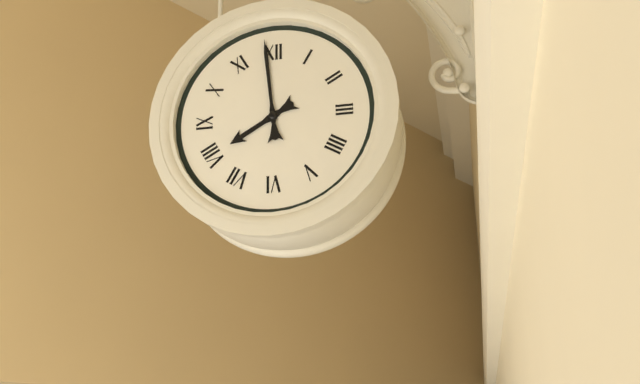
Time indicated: **7:59**
